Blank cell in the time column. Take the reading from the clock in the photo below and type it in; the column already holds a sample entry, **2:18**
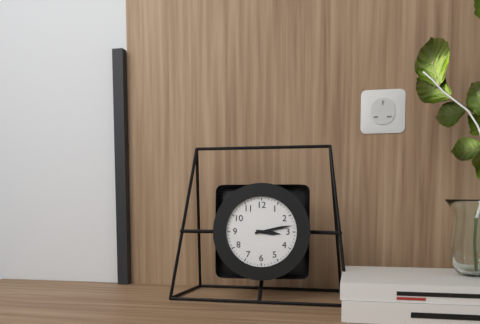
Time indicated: **3:13**
